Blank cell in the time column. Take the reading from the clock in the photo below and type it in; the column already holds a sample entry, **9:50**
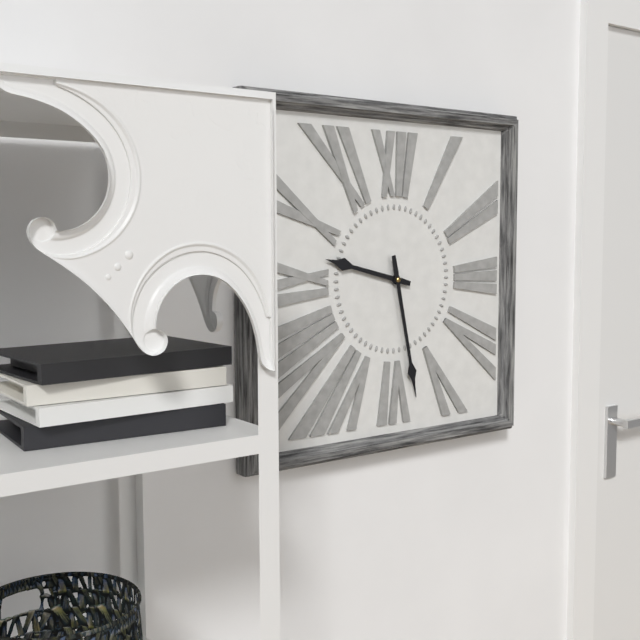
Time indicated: **9:28**
